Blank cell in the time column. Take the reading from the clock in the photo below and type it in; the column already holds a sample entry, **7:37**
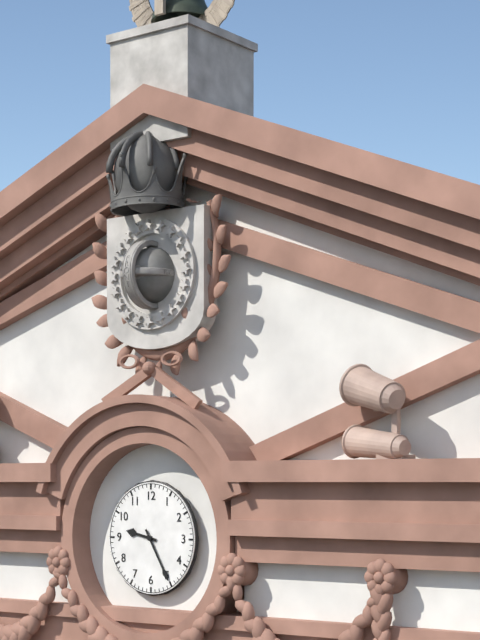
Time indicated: **9:25**
